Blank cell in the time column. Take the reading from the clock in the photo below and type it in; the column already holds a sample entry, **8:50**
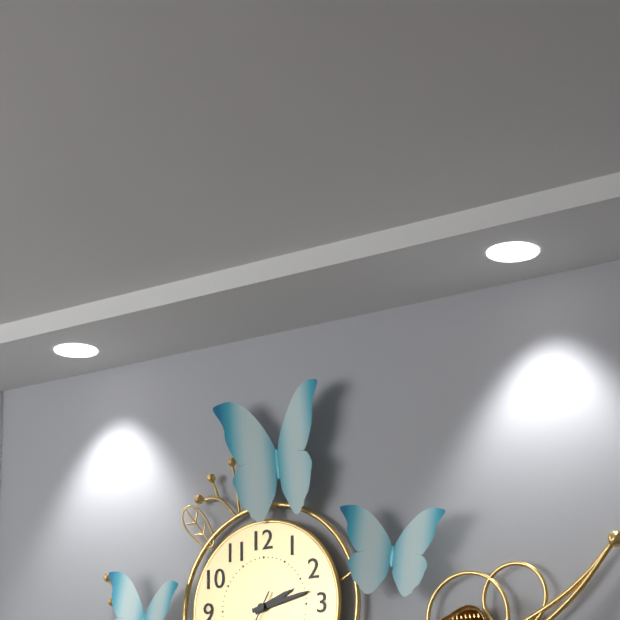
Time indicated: **2:13**
